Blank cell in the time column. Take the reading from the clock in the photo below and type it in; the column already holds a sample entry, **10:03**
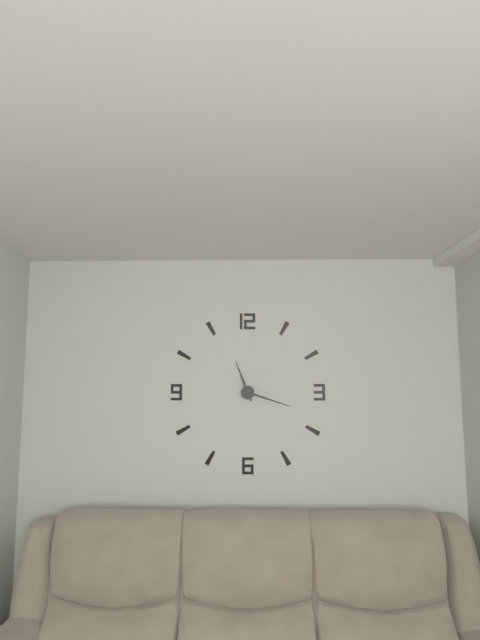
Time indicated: **11:18**
